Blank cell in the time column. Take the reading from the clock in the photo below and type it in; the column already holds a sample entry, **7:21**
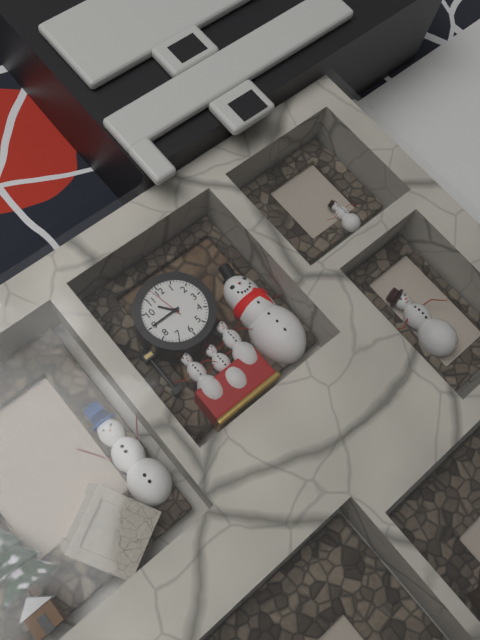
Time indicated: **10:45**
